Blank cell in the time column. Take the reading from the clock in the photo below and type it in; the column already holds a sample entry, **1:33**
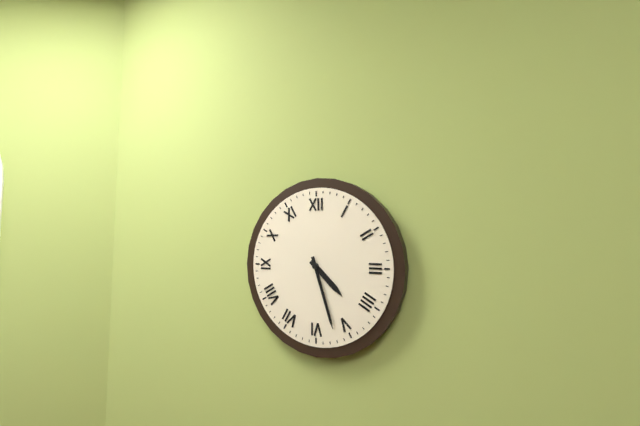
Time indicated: **4:27**
